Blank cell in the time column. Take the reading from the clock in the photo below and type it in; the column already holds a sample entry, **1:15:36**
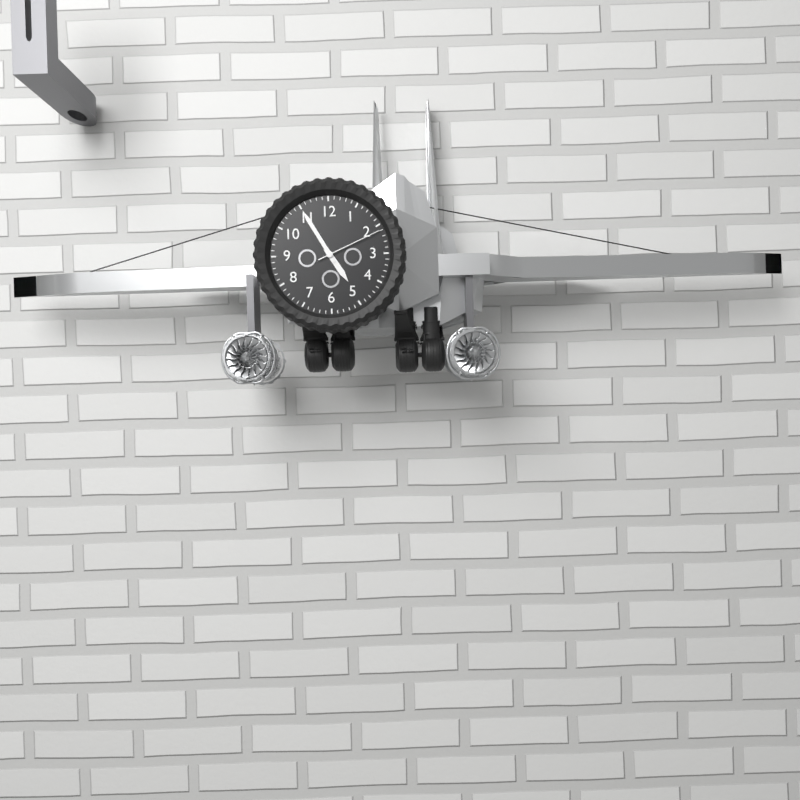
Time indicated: **4:55:11**
